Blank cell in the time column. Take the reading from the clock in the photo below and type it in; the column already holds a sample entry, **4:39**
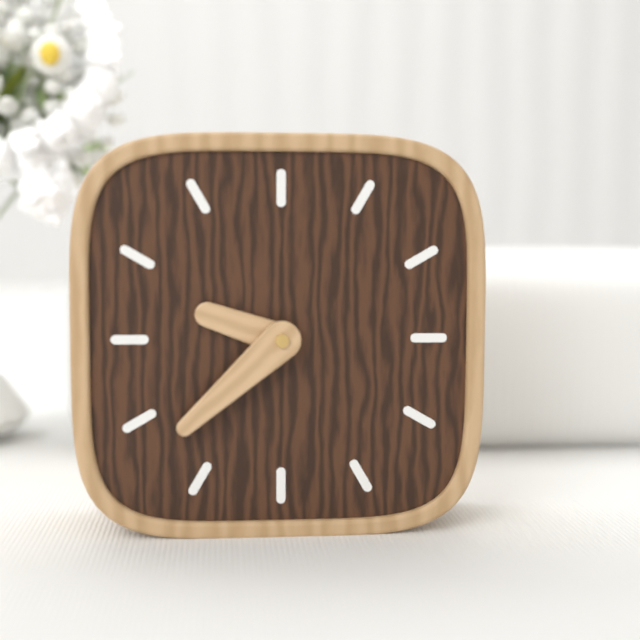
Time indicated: **9:38**
